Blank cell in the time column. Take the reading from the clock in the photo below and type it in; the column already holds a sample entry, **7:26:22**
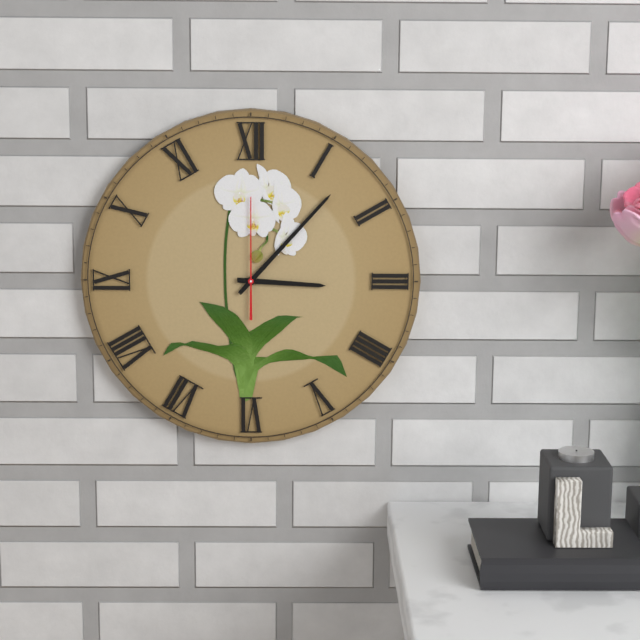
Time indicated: **3:07:00**
